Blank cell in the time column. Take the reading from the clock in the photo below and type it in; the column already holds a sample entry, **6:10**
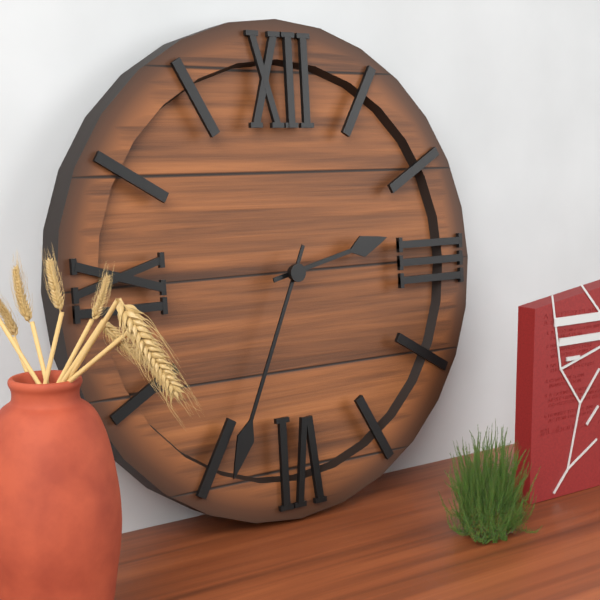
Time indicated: **2:34**
